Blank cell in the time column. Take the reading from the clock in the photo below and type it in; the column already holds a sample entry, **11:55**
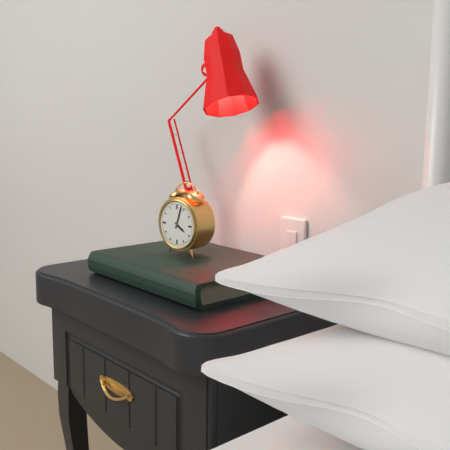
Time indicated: **4:03**
